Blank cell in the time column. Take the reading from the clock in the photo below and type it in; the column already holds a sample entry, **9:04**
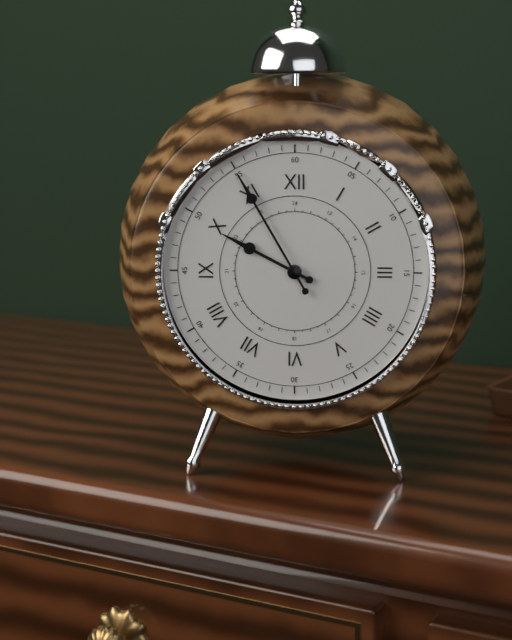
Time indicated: **9:55**
